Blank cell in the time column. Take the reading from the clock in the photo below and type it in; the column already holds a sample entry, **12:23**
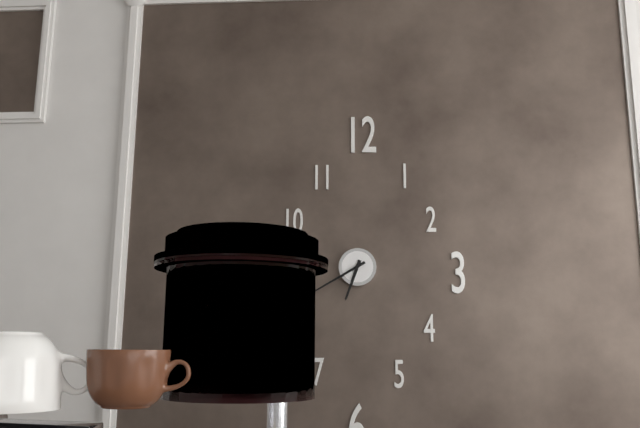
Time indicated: **6:40**
